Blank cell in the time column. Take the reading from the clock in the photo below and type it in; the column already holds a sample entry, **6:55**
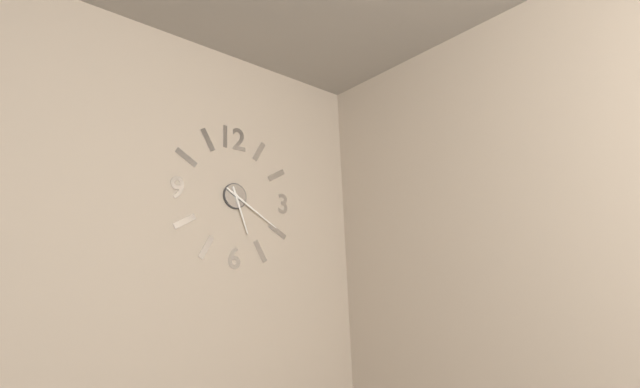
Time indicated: **5:20**
